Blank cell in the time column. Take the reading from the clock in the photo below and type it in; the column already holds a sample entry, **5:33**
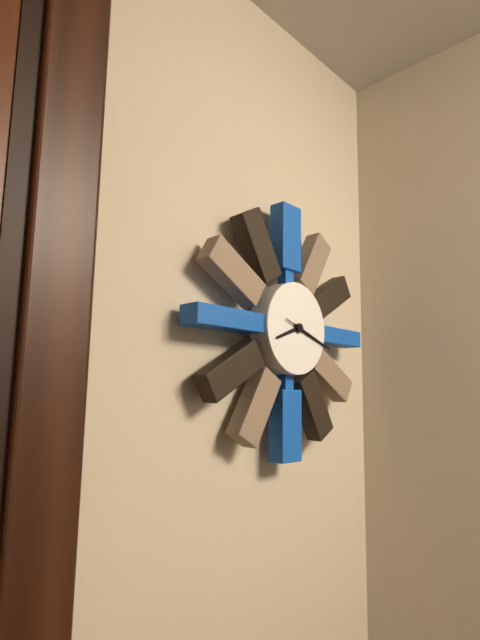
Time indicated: **8:18**
